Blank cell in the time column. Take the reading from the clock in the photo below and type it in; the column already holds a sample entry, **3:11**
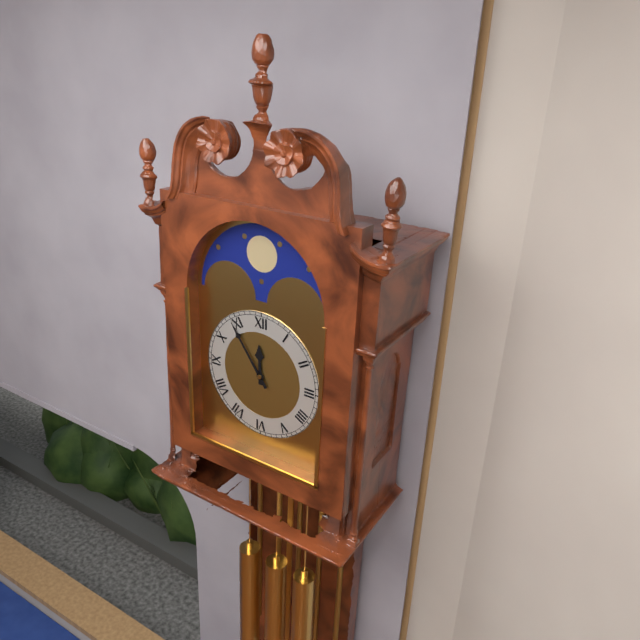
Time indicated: **11:54**
